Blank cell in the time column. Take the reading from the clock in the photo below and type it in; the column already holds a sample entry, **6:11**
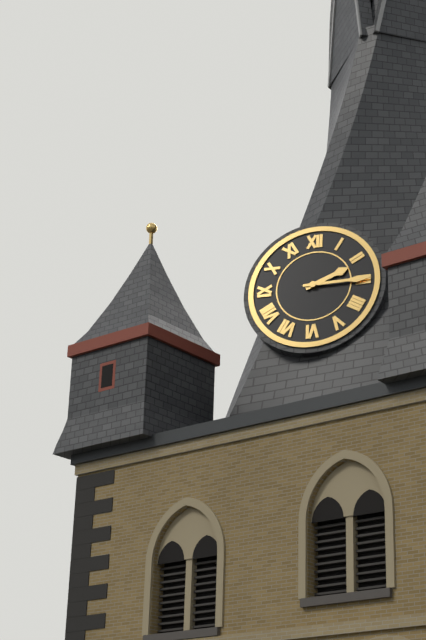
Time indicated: **2:15**
